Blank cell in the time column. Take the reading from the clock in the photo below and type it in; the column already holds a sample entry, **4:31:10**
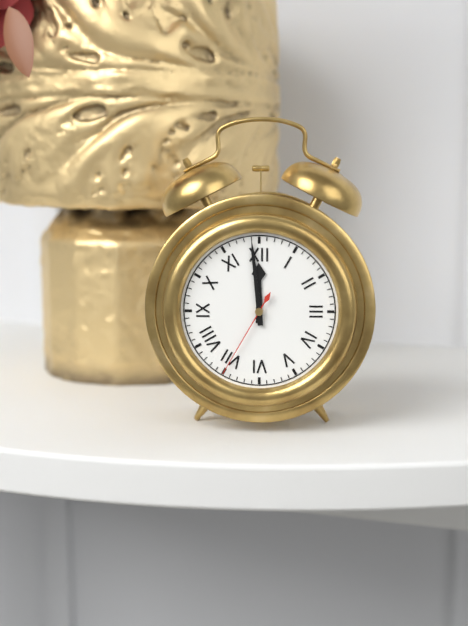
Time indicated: **11:59:35**
